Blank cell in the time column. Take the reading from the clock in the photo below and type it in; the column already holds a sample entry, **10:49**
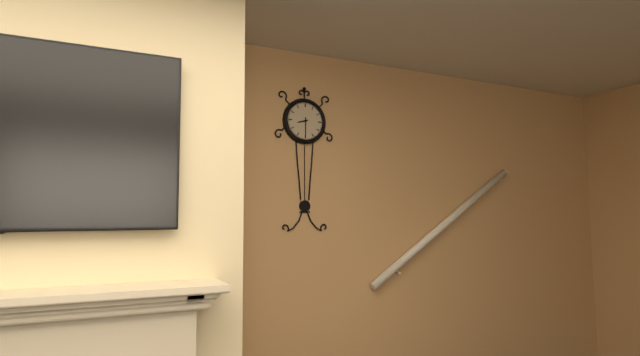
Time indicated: **8:30**
